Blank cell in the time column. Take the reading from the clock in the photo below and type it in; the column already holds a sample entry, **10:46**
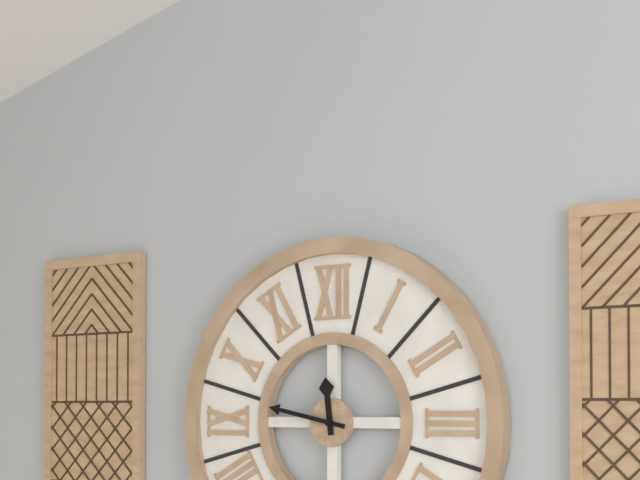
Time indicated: **11:47**
